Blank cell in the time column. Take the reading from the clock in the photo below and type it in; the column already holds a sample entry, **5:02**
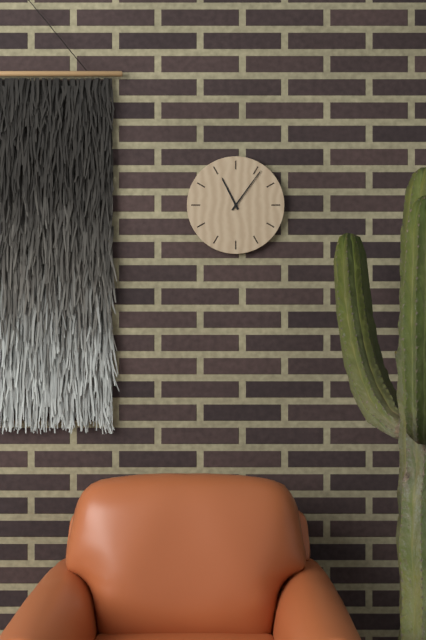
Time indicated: **11:06**
